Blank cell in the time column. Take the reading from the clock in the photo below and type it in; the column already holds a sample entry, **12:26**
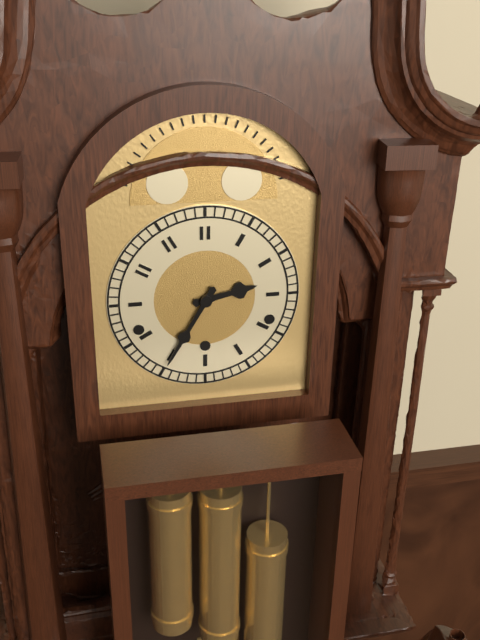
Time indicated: **2:35**
